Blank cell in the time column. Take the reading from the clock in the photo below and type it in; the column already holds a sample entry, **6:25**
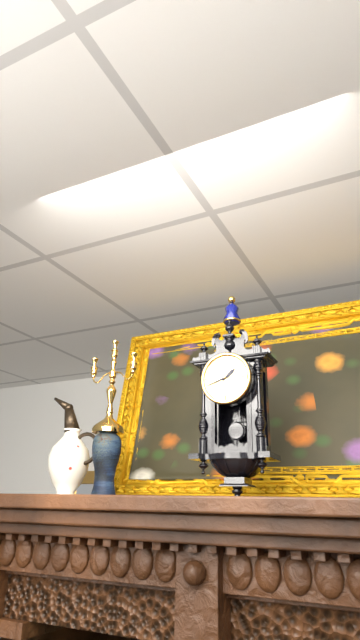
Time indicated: **1:42**
